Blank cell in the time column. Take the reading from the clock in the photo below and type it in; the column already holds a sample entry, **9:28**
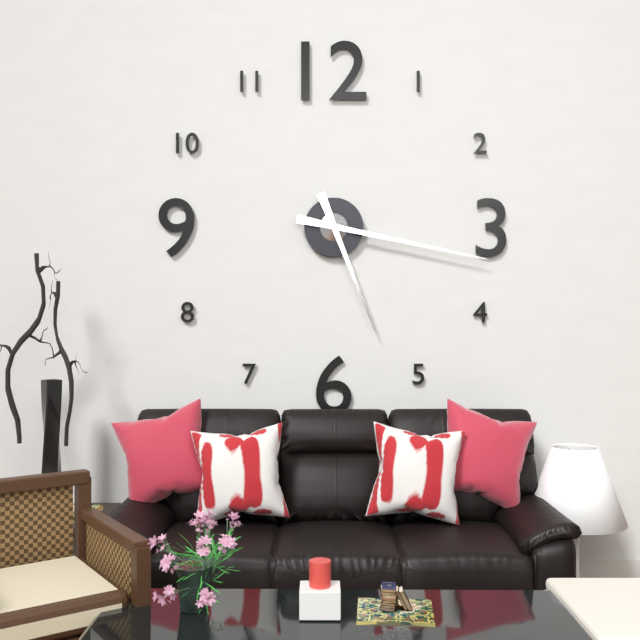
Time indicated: **5:17**
